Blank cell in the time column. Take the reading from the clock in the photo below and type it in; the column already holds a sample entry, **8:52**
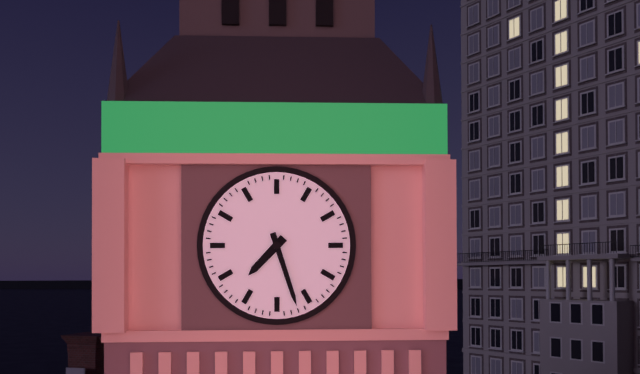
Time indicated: **7:27**
